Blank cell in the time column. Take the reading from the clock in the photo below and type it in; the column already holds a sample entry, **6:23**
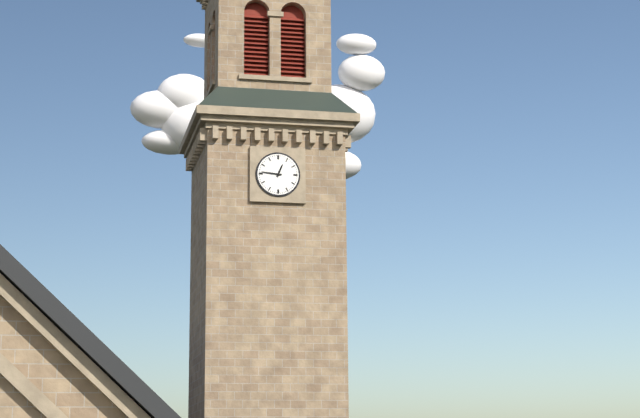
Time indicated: **12:46**
